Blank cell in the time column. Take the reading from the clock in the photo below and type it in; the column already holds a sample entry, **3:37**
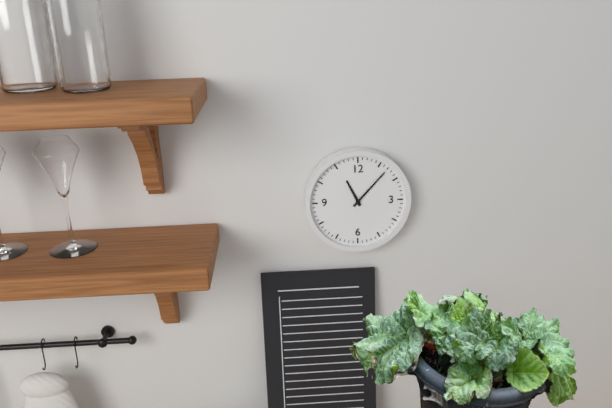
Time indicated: **11:07**
